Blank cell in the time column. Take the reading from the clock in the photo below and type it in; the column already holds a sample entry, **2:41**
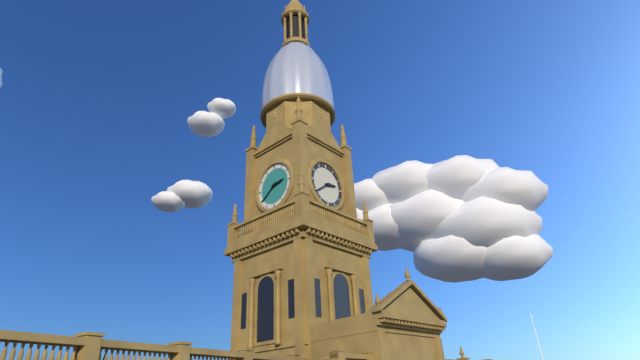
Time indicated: **2:39**
